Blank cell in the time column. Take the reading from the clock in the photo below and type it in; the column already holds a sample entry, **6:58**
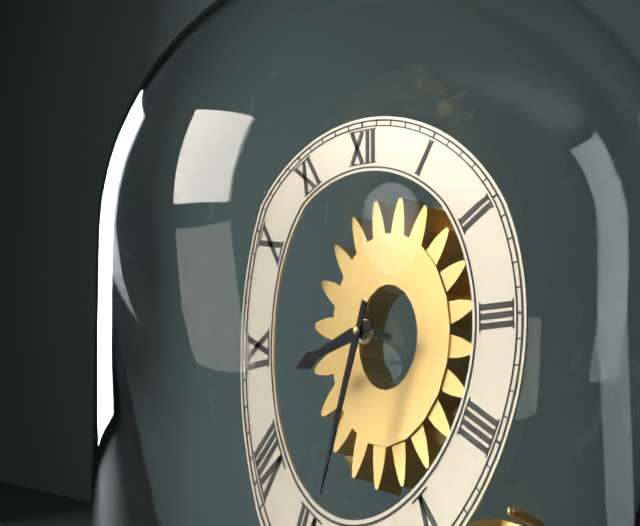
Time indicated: **8:34**
